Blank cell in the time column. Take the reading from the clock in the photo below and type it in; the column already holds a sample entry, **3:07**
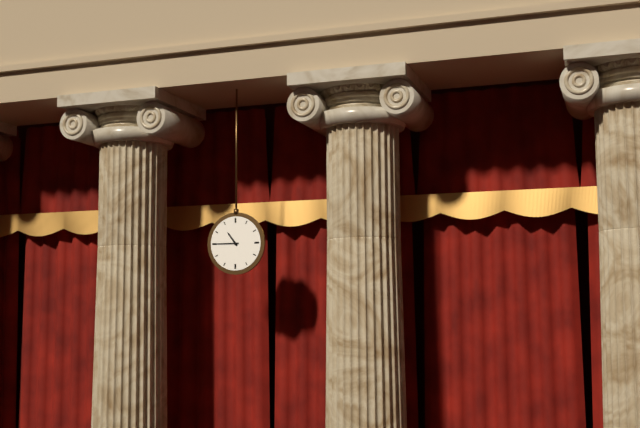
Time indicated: **10:45**
